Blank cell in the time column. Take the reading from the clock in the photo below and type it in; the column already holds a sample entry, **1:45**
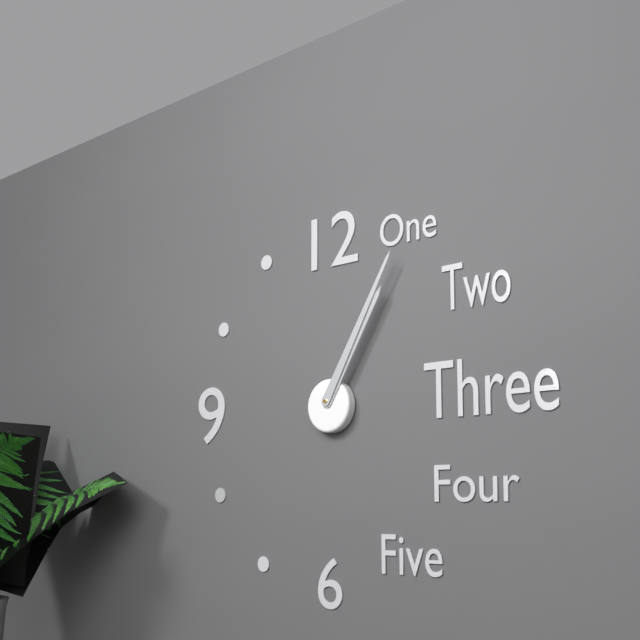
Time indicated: **1:05**
